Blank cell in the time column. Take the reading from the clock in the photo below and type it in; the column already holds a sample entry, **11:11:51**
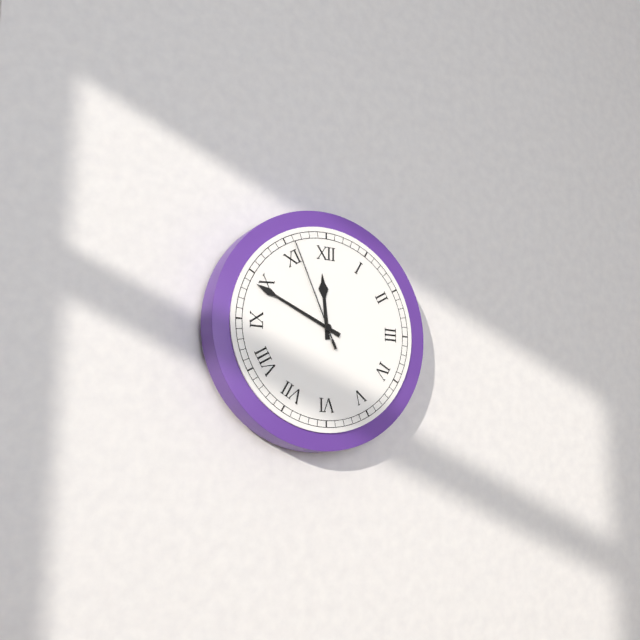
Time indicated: **11:49:56**
